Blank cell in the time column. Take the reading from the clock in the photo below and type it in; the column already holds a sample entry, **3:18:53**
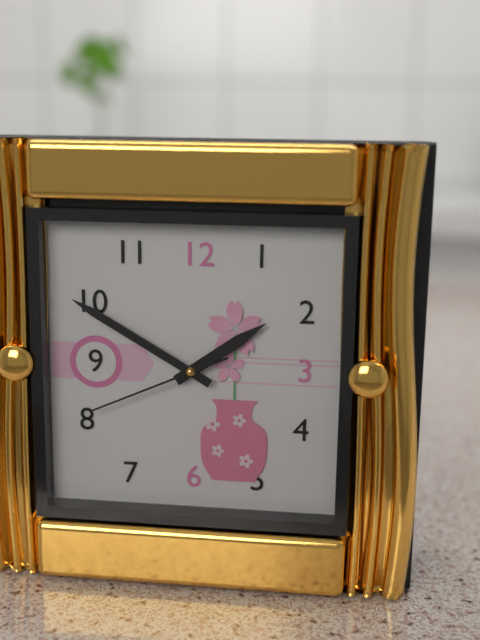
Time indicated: **1:50:41**
